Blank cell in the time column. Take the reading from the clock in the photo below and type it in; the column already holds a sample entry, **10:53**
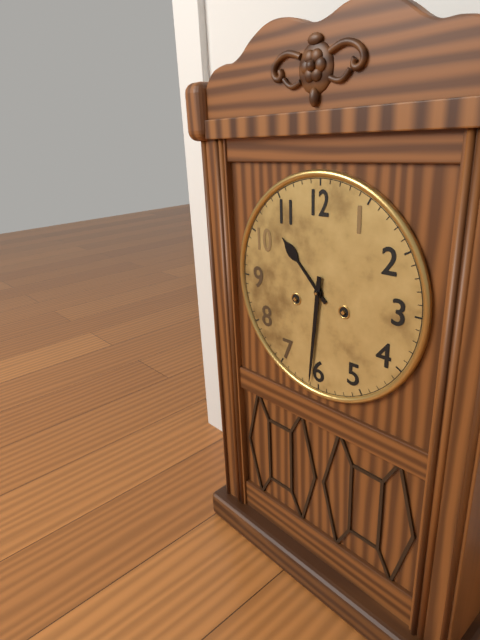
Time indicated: **10:31**
